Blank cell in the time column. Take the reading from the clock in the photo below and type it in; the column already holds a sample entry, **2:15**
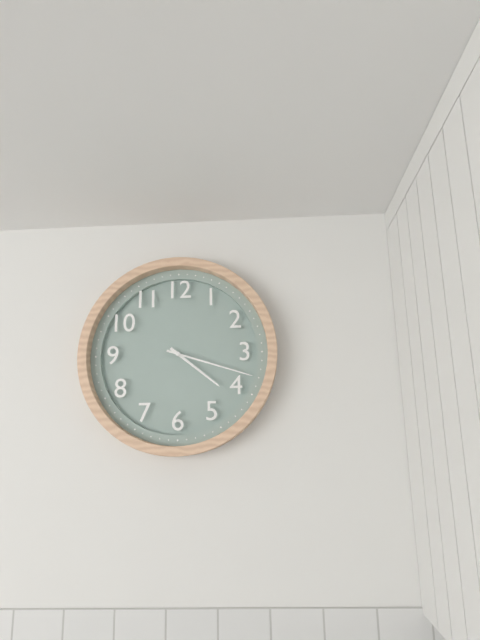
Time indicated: **4:18**
